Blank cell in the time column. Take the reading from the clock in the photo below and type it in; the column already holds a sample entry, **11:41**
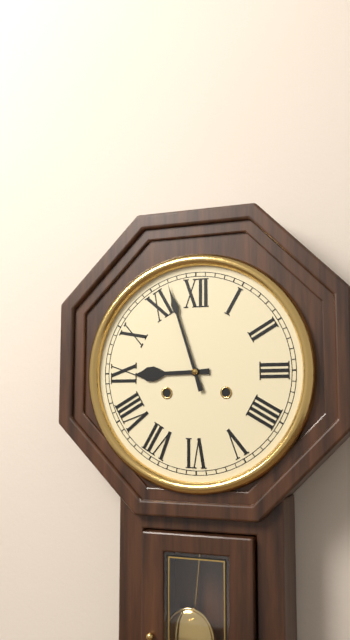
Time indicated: **8:57**
